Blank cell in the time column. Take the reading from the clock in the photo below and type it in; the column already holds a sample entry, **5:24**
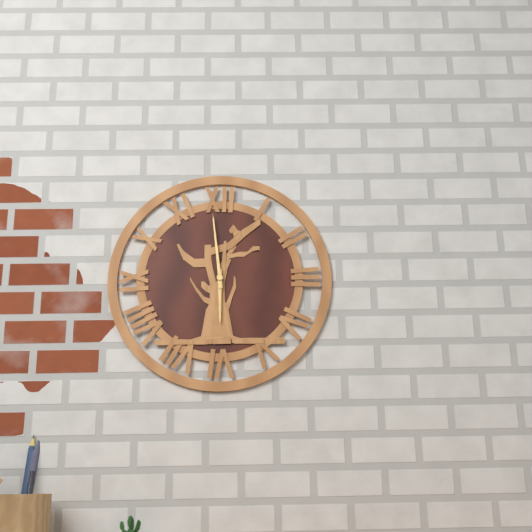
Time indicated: **5:59**
